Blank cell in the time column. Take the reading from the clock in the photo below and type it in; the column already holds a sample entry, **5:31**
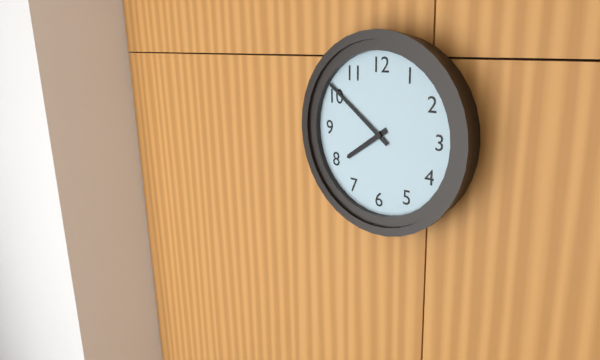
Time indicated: **7:51**
